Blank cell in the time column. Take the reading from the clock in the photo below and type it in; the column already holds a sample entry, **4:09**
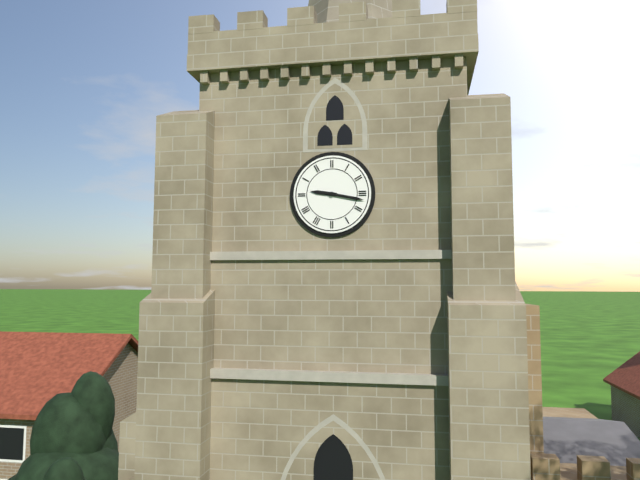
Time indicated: **9:17**
